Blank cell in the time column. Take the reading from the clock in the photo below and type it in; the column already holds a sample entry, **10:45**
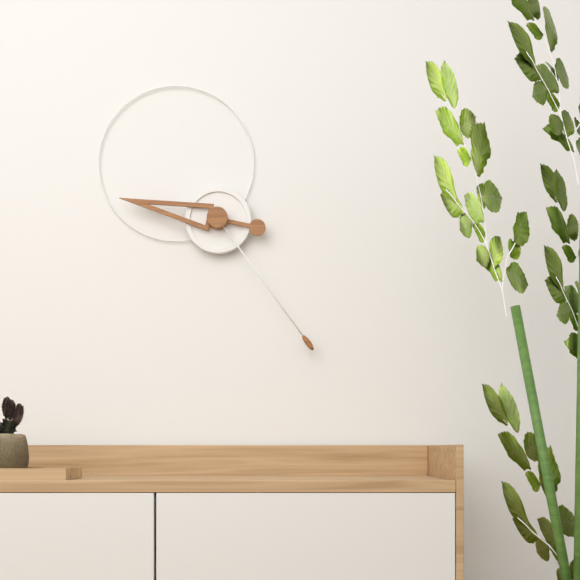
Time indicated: **9:24**
